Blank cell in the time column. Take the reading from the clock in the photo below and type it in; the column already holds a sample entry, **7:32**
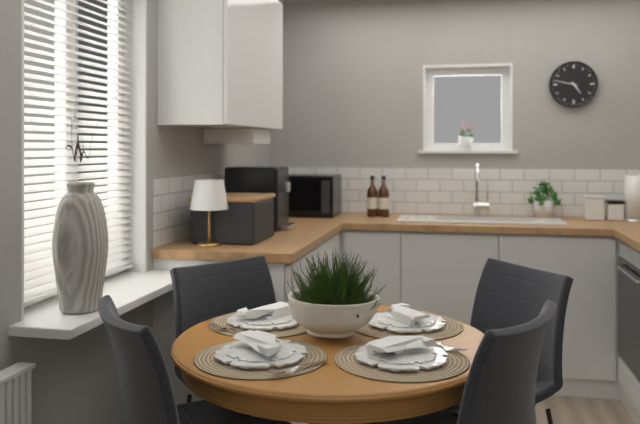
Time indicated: **4:47**
